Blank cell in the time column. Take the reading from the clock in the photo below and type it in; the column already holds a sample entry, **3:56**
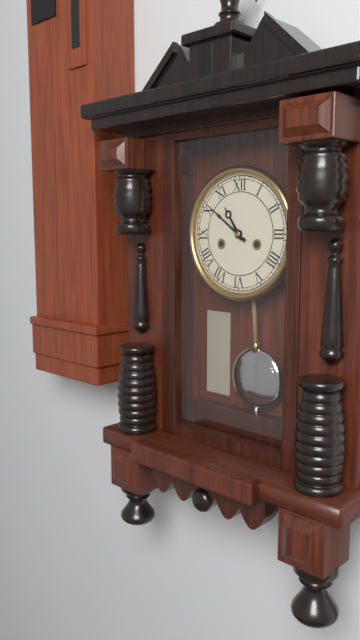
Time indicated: **10:51**
